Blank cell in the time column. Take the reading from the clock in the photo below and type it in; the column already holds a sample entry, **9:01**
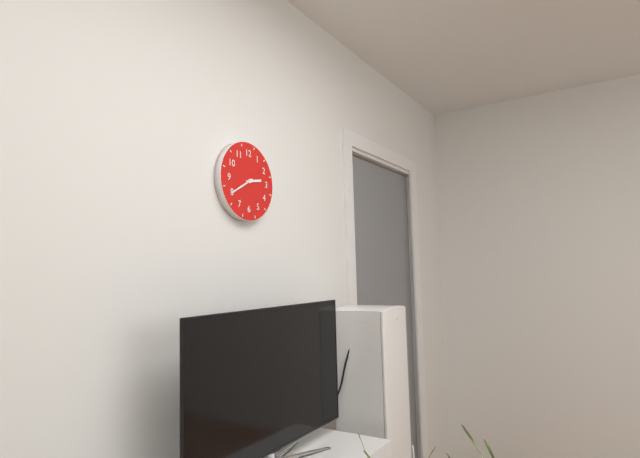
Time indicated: **2:40**
